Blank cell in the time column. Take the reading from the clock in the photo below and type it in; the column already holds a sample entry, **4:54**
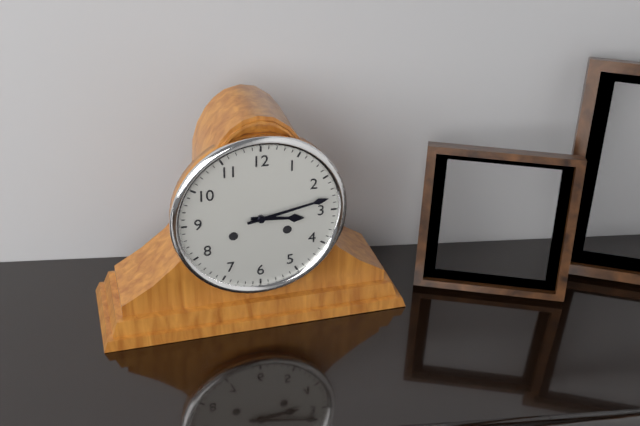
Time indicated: **3:13**
